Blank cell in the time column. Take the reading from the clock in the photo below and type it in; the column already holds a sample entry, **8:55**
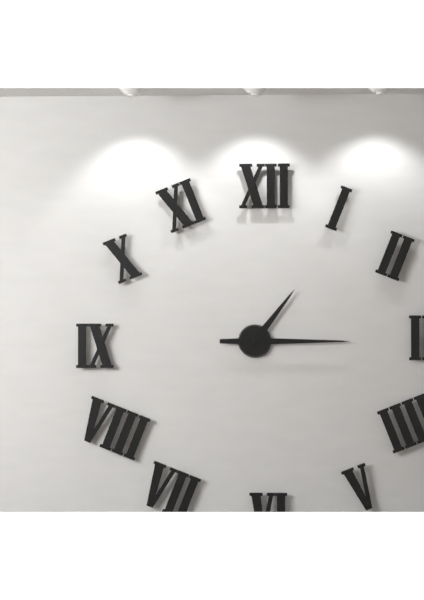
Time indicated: **1:15**
